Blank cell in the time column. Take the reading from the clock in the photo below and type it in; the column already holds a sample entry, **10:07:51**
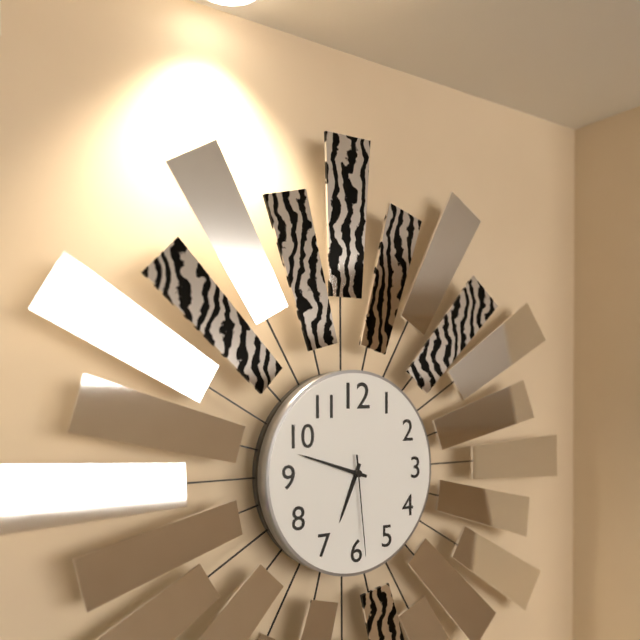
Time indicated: **6:48:29**
